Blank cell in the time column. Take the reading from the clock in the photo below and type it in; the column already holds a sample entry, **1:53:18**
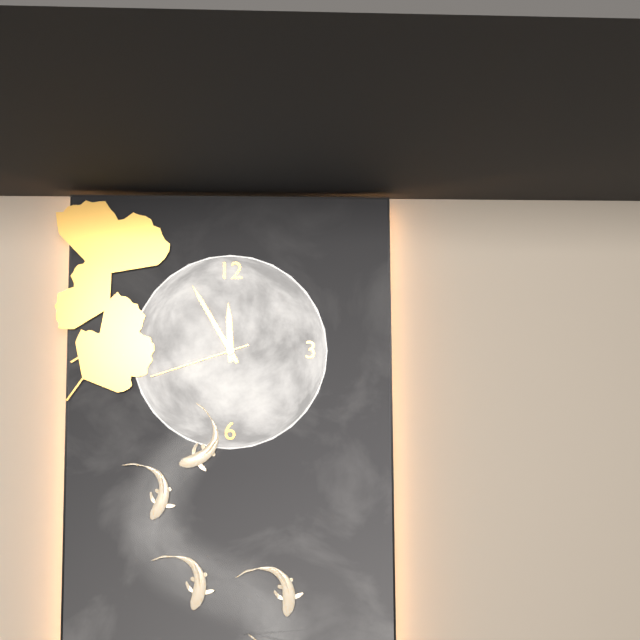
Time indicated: **11:55:42**
